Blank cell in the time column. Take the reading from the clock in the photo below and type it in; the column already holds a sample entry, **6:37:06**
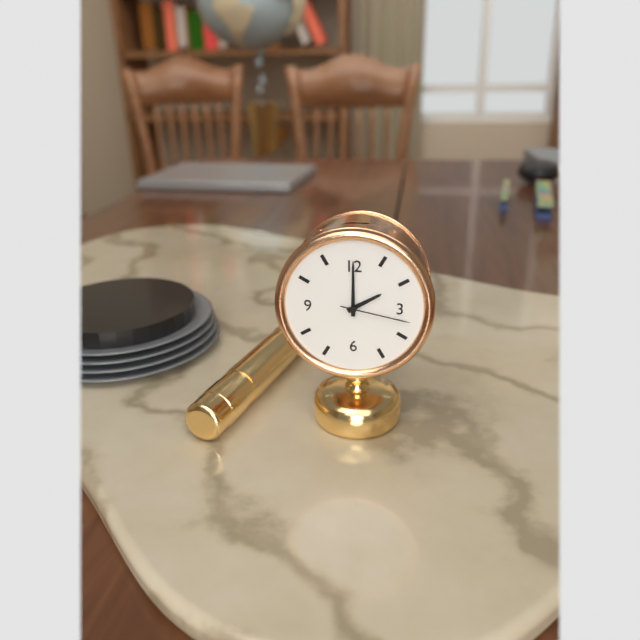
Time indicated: **2:00:17**
